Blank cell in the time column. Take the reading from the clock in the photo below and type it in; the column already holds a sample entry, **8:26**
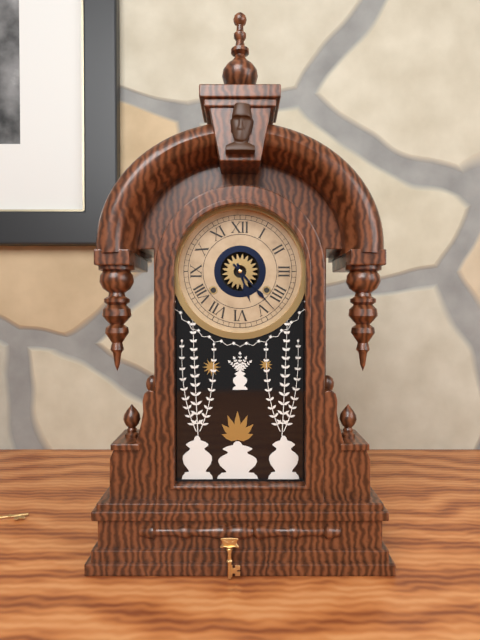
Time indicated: **5:23**
